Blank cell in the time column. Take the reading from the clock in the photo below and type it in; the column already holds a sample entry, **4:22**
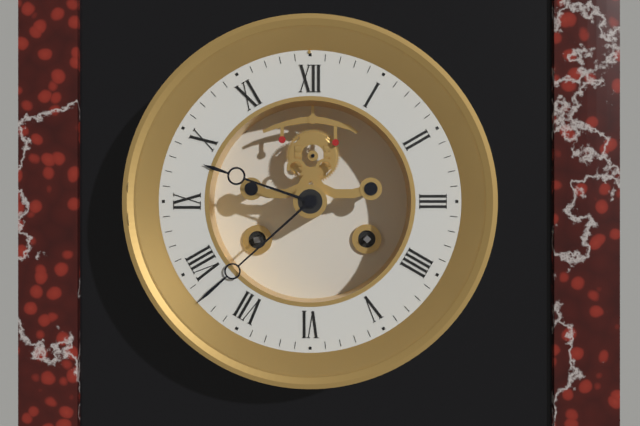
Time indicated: **9:38**
